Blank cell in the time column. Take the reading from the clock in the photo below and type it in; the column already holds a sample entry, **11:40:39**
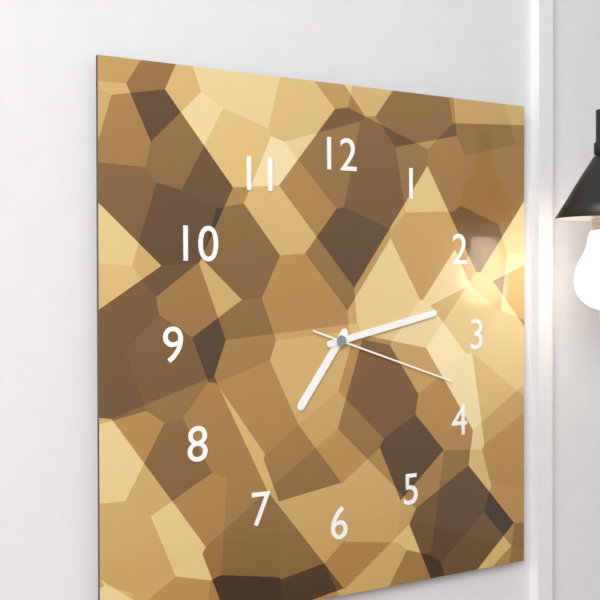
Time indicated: **7:13:18**
